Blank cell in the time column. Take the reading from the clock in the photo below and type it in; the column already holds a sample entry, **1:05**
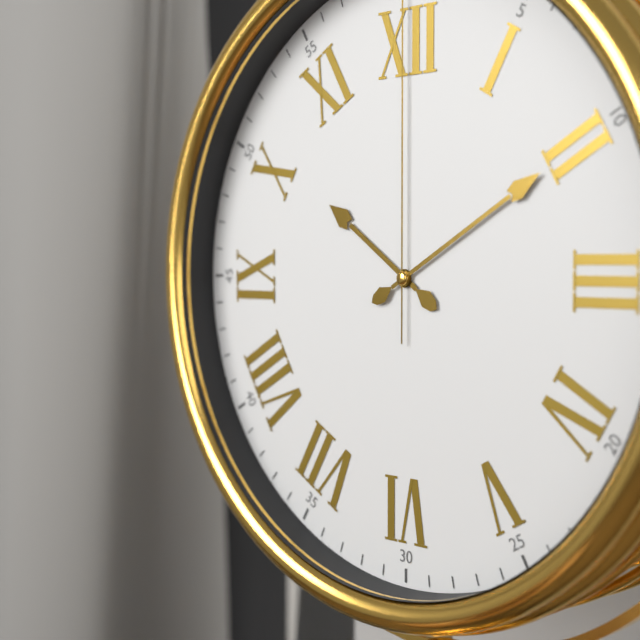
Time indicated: **10:10**
